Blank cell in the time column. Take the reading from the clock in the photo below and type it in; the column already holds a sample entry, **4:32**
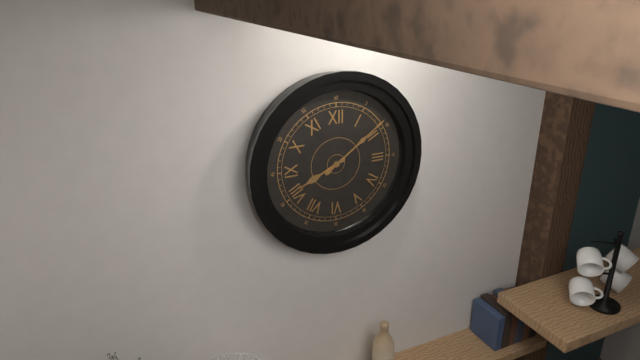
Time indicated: **8:09**
